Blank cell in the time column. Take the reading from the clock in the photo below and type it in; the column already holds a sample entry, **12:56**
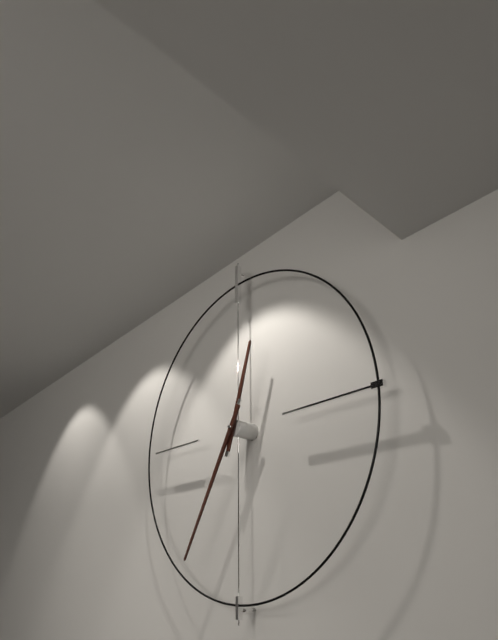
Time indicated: **12:35**
